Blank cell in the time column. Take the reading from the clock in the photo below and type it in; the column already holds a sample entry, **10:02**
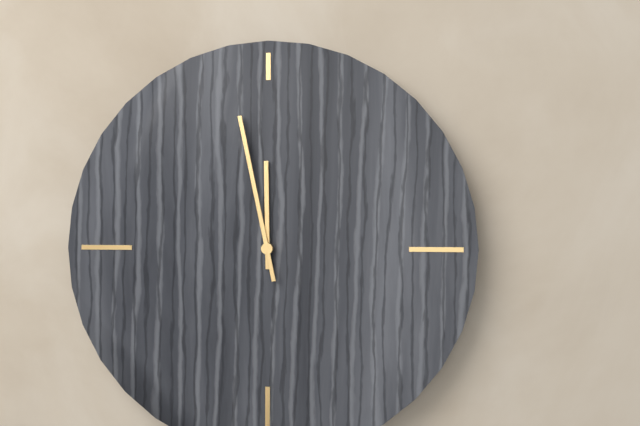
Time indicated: **11:58**
